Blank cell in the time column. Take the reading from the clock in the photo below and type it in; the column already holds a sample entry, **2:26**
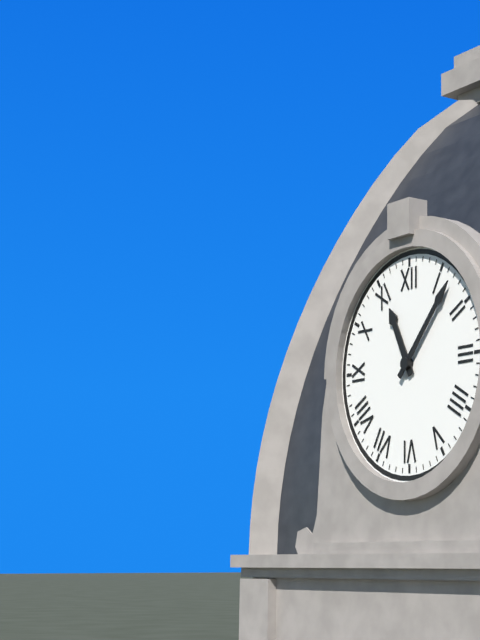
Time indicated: **11:07**
